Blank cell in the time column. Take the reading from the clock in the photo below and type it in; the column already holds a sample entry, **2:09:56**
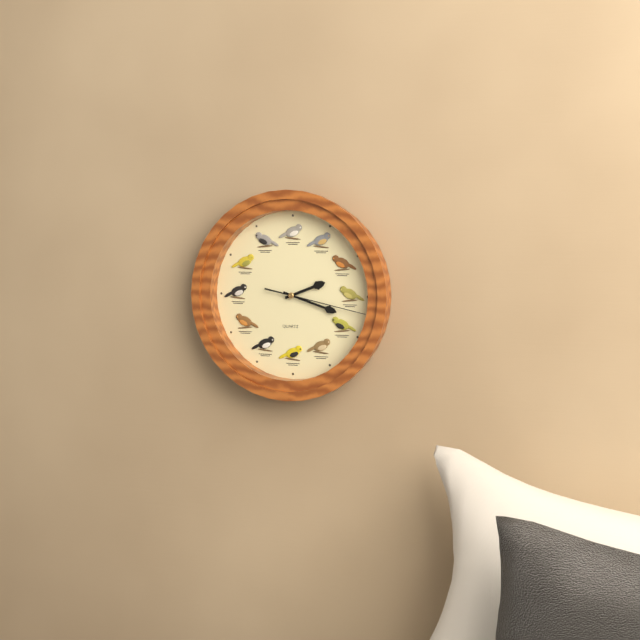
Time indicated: **2:18:17**
